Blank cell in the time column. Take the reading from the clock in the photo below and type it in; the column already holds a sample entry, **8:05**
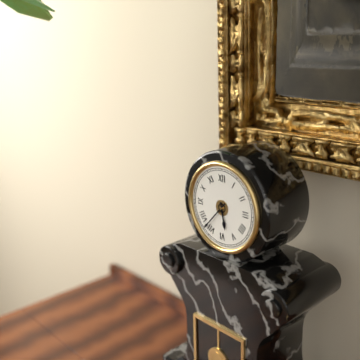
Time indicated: **5:37**
